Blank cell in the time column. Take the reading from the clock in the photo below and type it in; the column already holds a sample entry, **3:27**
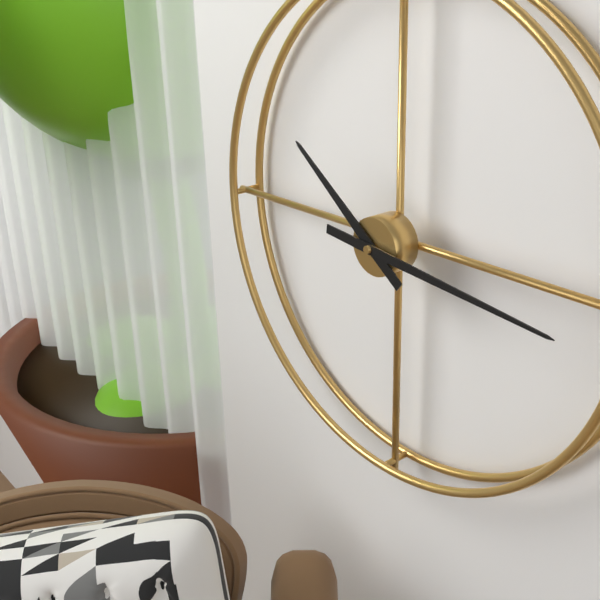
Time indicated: **10:16**
